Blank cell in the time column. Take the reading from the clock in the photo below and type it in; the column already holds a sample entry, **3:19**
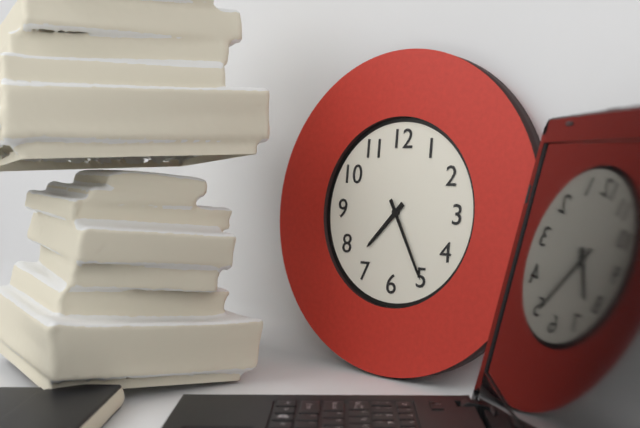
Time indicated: **7:25**
